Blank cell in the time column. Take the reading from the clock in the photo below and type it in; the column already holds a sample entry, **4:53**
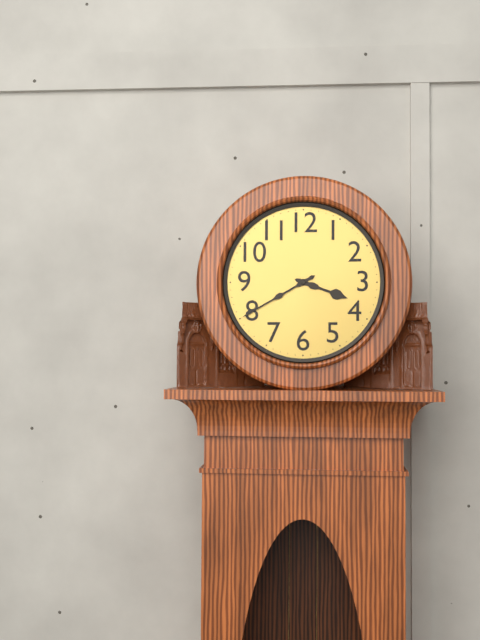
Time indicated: **3:40**
